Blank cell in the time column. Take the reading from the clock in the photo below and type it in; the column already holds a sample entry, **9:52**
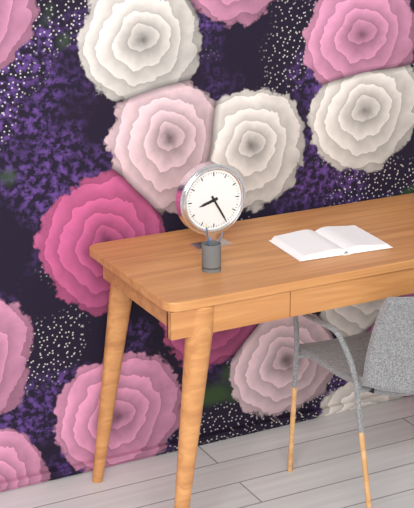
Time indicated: **8:25**
